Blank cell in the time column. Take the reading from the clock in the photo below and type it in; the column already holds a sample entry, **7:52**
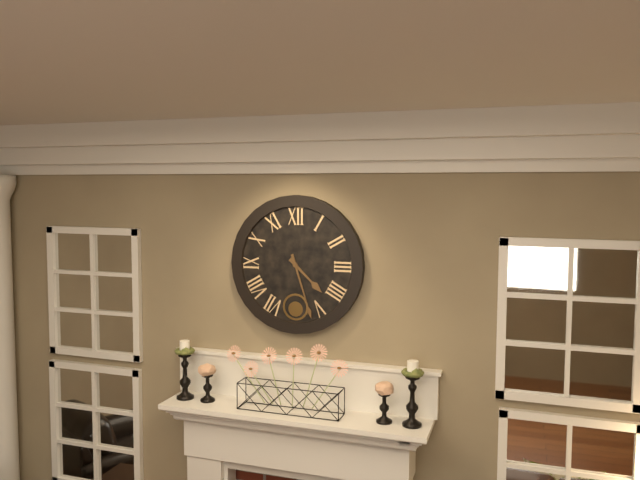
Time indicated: **4:27**
